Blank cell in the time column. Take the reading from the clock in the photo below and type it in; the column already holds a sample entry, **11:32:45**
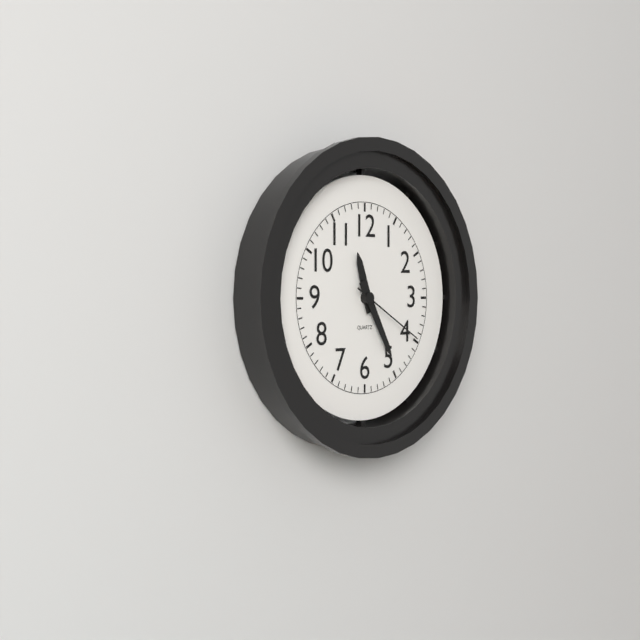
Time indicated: **11:25:20**
